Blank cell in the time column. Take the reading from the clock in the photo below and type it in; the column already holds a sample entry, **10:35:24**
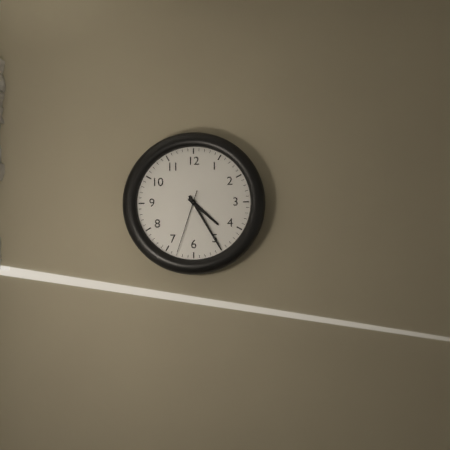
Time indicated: **4:25:33**
